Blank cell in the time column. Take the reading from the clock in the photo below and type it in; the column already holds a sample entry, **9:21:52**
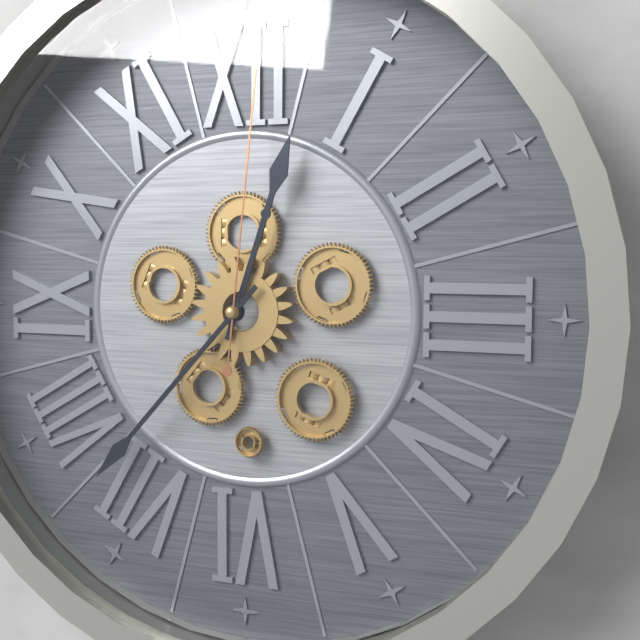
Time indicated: **12:37:01**
